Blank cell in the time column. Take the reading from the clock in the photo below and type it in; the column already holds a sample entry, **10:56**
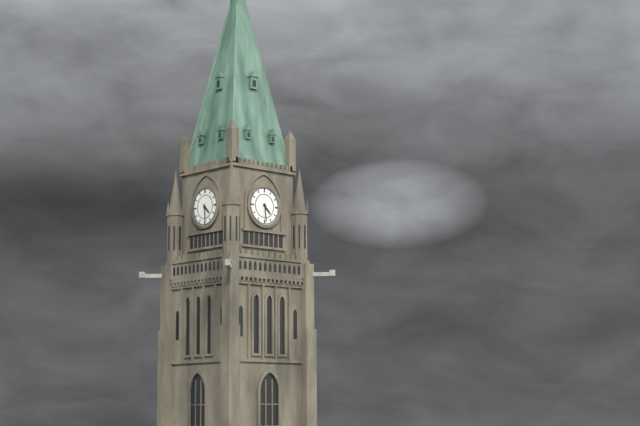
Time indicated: **4:29**
